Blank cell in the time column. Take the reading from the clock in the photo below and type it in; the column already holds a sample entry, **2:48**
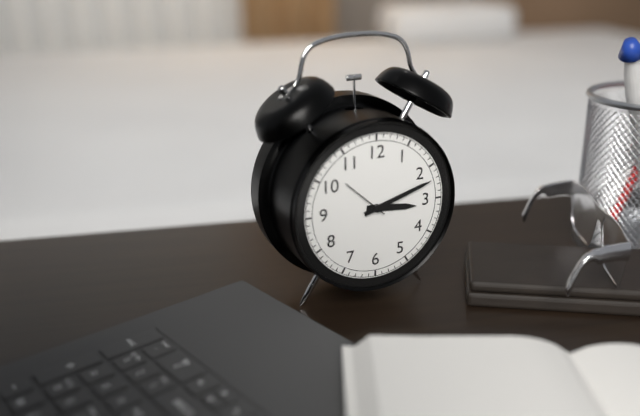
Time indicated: **3:12**
